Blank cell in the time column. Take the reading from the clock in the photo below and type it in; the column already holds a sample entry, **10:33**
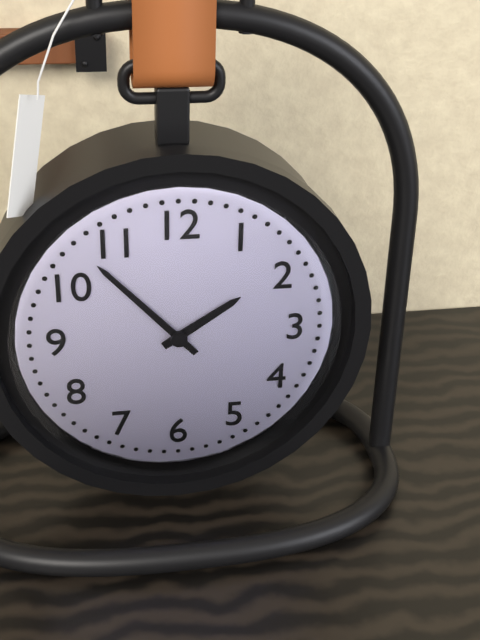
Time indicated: **1:53**
